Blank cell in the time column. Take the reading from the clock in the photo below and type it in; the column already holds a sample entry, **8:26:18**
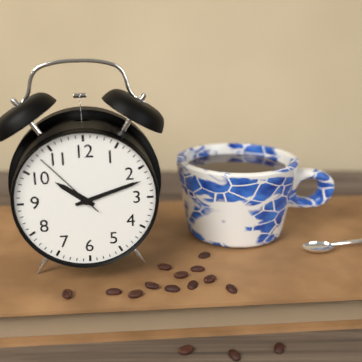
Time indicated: **10:12:53**
